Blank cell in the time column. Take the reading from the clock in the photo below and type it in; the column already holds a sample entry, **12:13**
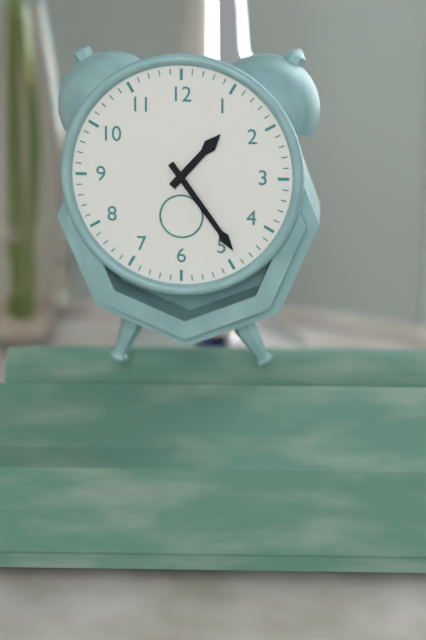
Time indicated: **1:24**
